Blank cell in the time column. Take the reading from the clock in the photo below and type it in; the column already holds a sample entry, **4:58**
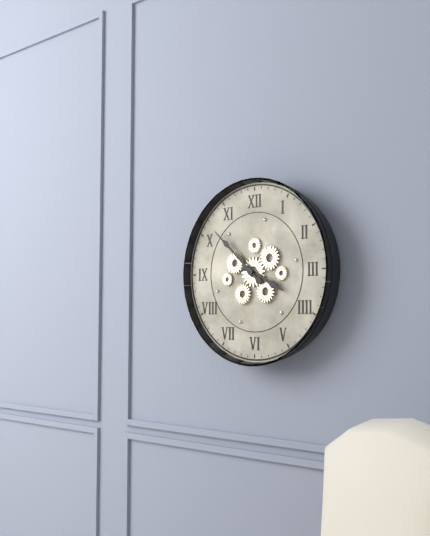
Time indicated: **3:52**
